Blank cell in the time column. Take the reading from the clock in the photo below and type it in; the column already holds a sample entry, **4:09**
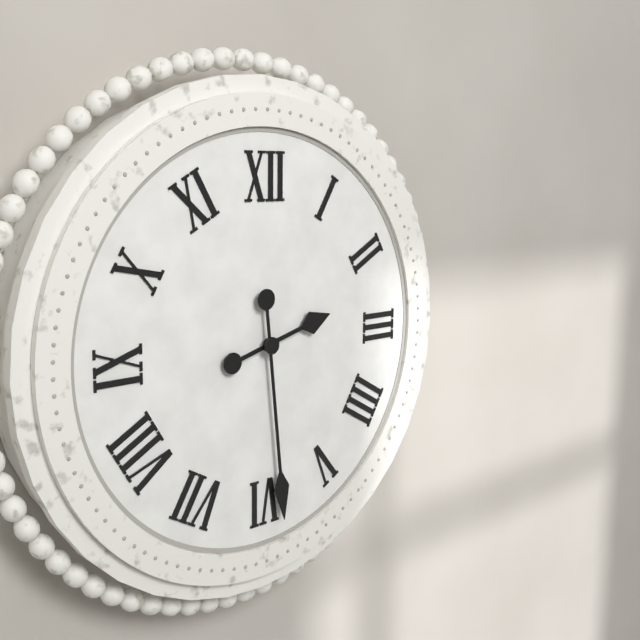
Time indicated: **2:29**
